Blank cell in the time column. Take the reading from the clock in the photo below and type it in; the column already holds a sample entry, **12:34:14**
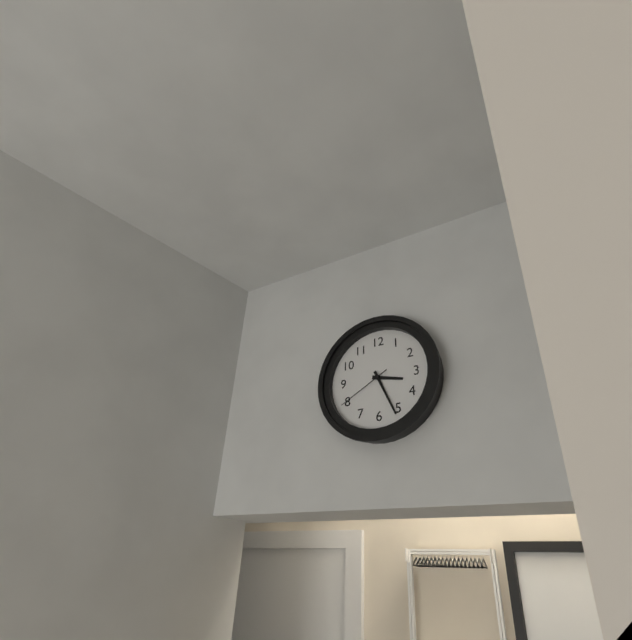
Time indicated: **3:26:40**
